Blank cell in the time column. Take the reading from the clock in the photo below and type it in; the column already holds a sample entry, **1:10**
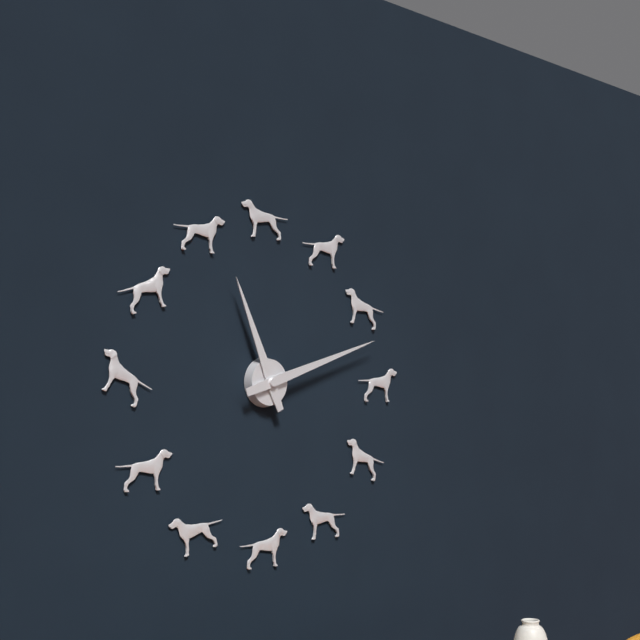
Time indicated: **11:12**
